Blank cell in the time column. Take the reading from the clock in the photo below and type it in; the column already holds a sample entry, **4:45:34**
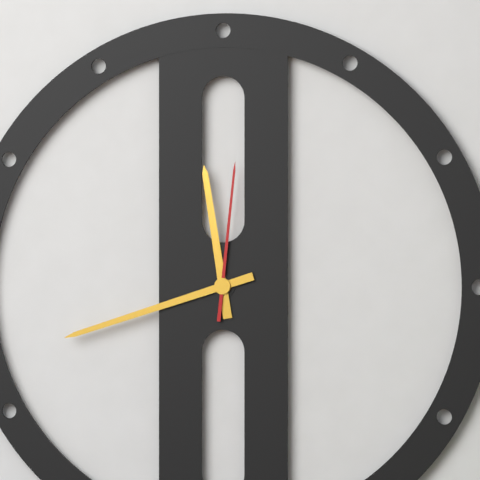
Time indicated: **11:42:01**
